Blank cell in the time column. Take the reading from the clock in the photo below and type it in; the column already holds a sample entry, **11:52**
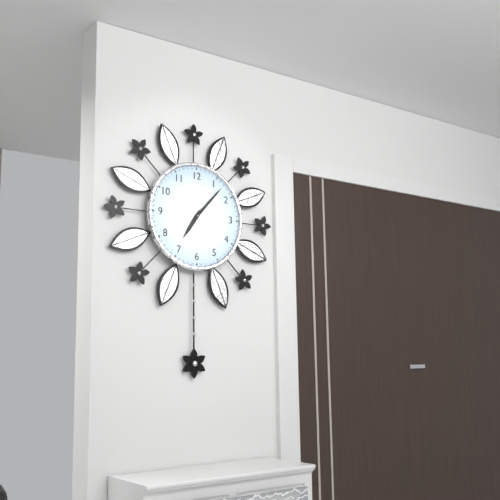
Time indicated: **7:07**
